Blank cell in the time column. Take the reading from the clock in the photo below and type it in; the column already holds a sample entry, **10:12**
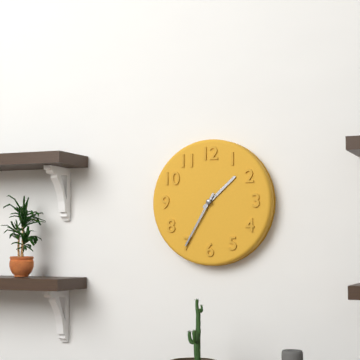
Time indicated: **1:35**
